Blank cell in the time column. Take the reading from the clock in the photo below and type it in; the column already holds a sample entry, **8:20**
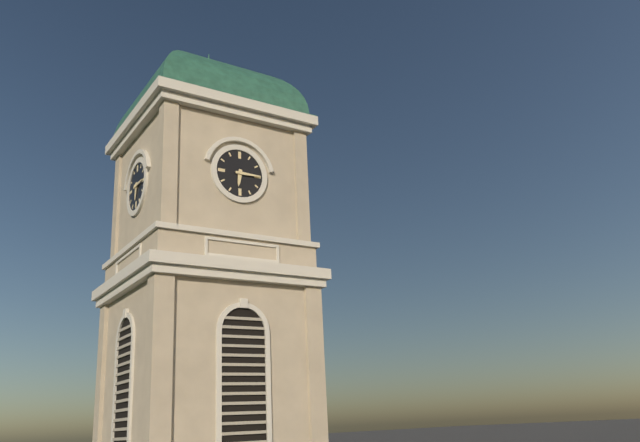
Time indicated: **6:15**
